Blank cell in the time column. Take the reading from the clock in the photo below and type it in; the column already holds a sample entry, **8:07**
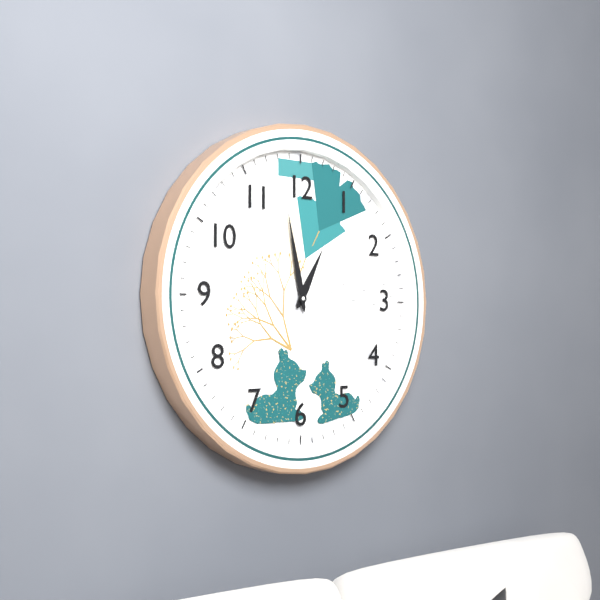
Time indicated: **12:58**
